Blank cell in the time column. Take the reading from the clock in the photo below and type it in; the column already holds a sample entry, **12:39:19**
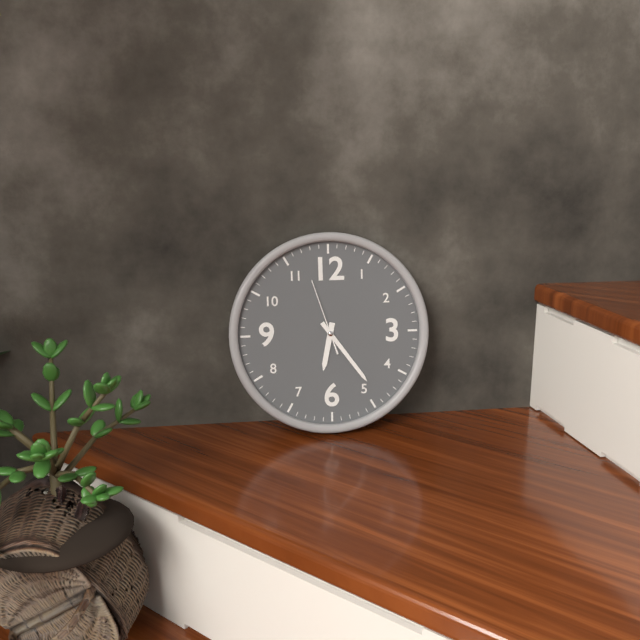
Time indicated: **6:24:57**
